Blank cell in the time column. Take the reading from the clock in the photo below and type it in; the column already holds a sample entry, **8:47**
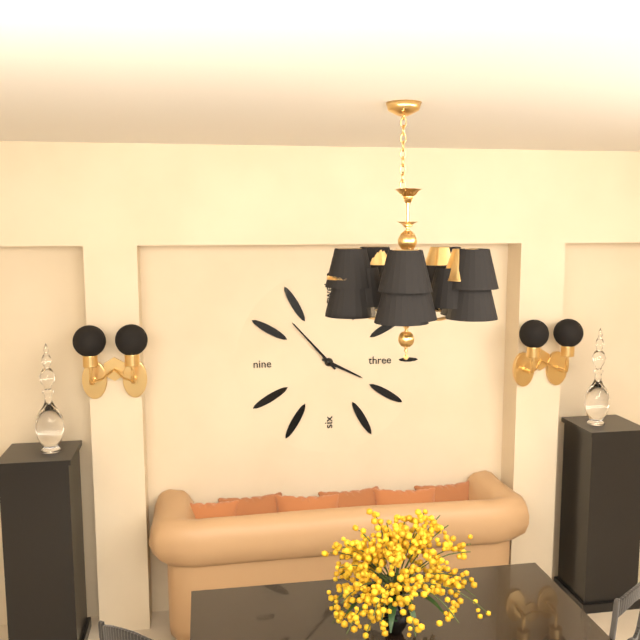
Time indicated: **3:53**
